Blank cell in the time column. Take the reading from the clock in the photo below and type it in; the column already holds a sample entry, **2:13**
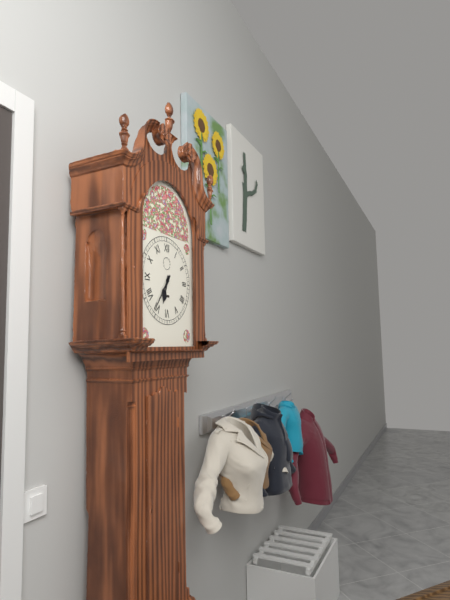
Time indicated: **6:36**
